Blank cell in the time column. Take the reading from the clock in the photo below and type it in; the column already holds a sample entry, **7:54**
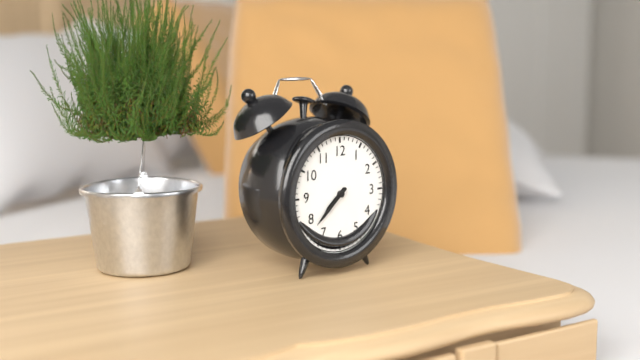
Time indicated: **7:38**
